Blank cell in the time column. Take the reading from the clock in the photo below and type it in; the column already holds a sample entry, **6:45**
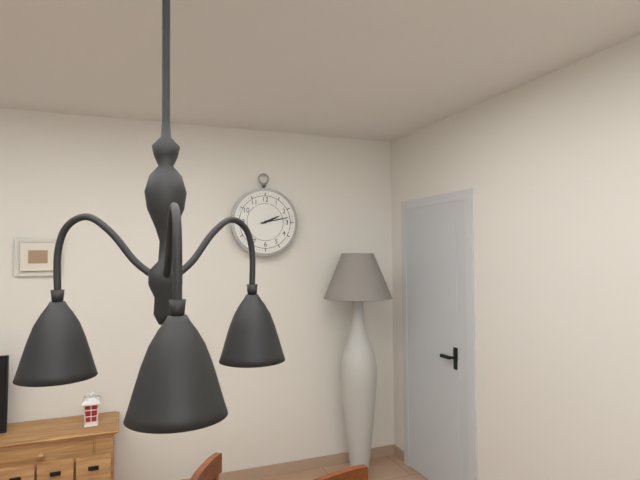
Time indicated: **2:13**
